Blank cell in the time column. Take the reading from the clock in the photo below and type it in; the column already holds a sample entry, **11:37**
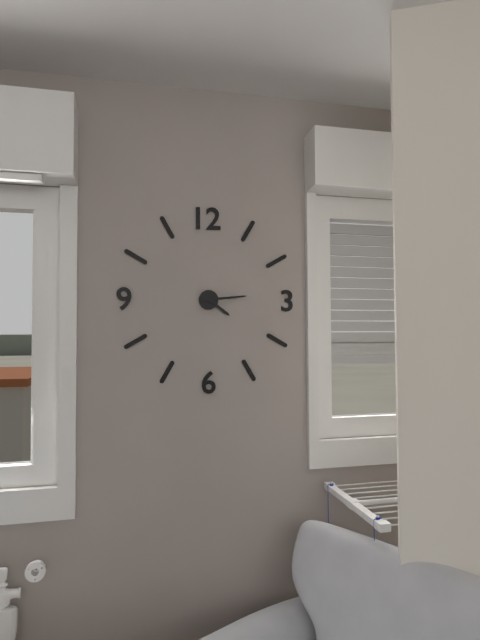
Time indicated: **4:14**
